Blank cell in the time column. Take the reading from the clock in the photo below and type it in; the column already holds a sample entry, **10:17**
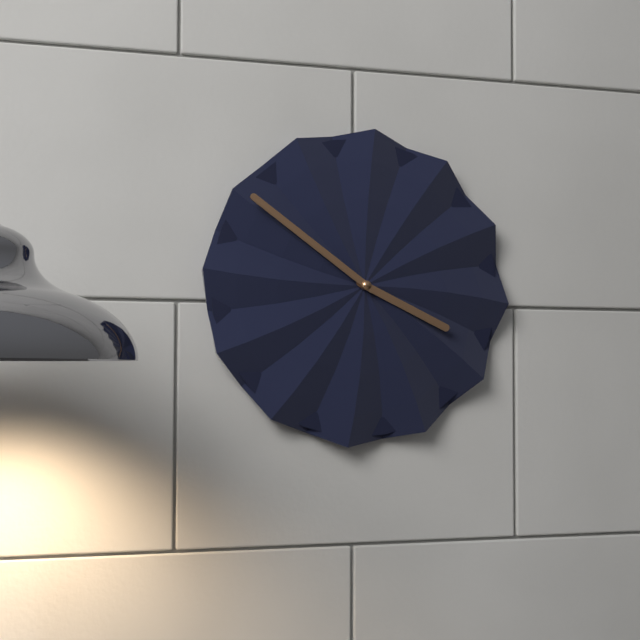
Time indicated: **3:51**
